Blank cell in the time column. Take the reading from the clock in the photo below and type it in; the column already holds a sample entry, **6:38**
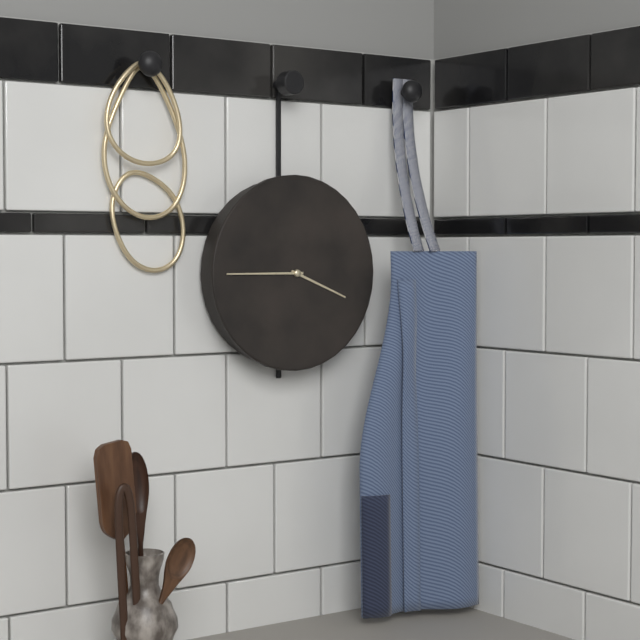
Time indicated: **3:45**
